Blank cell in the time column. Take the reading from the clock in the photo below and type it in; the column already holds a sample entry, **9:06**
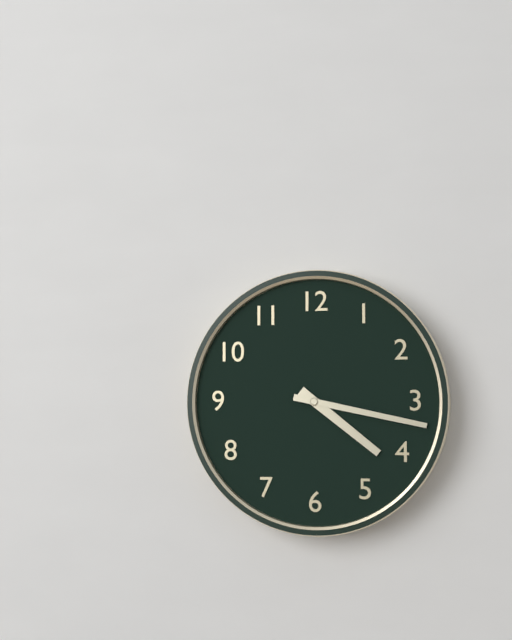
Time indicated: **4:17**
